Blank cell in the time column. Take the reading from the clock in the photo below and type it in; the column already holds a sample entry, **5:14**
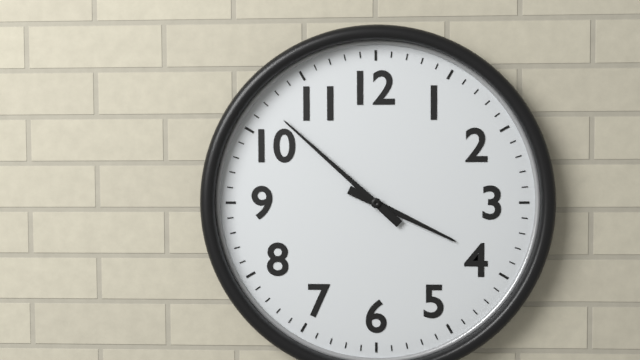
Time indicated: **3:52**
